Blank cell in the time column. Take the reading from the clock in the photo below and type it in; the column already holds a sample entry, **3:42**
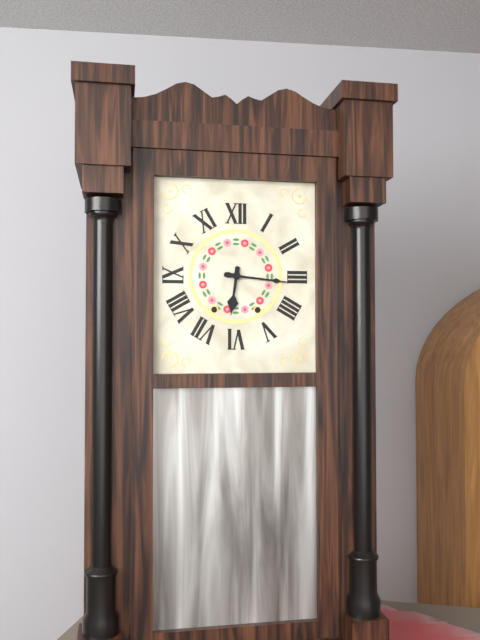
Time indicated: **6:16**
